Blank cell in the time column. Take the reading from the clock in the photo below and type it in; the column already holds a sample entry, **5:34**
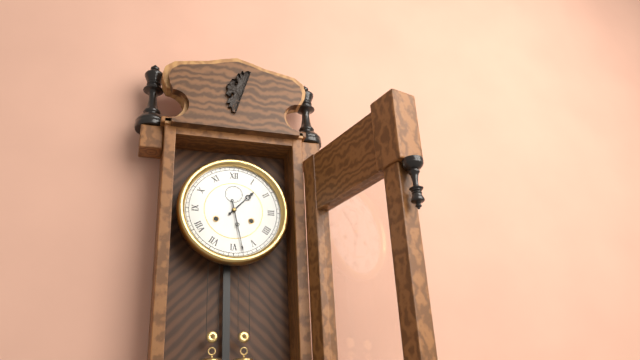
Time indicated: **1:28**
